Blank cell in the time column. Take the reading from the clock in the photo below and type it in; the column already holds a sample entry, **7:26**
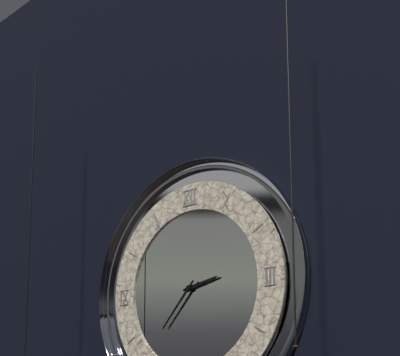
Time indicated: **2:37**
